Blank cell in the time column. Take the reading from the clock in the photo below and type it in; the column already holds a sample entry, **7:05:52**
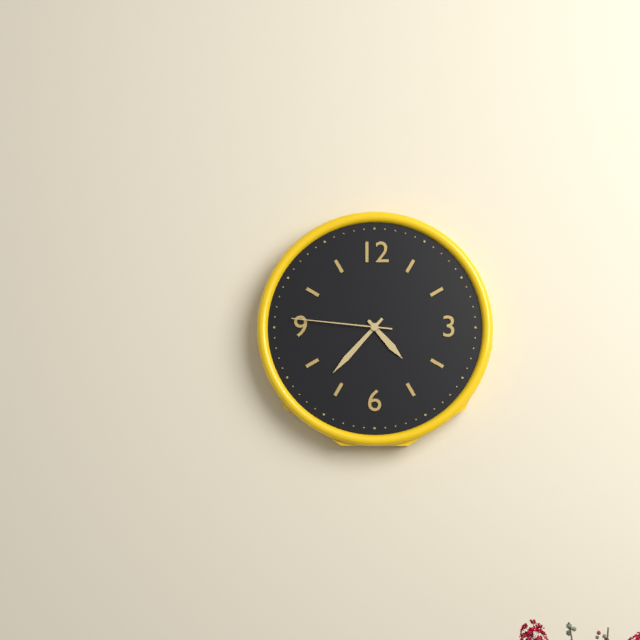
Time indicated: **4:37:46**
